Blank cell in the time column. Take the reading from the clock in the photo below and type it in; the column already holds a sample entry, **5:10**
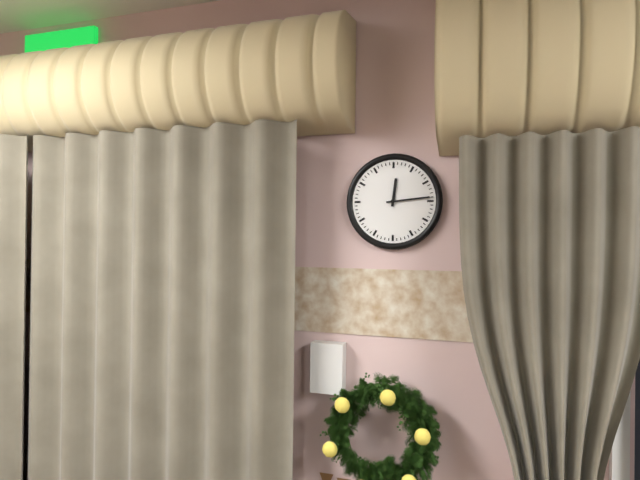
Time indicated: **12:14**
